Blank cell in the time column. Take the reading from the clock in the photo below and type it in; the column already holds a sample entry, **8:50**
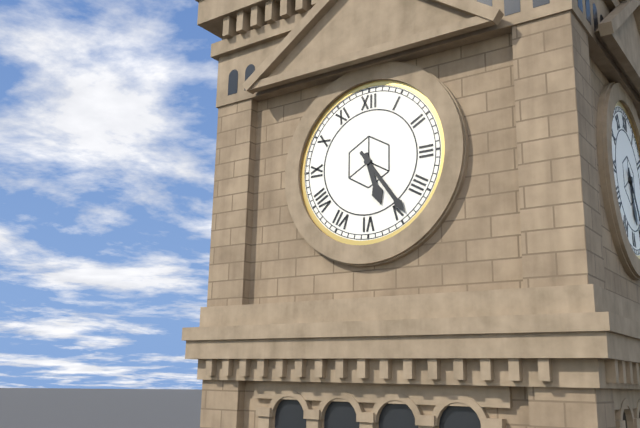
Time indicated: **5:24**
